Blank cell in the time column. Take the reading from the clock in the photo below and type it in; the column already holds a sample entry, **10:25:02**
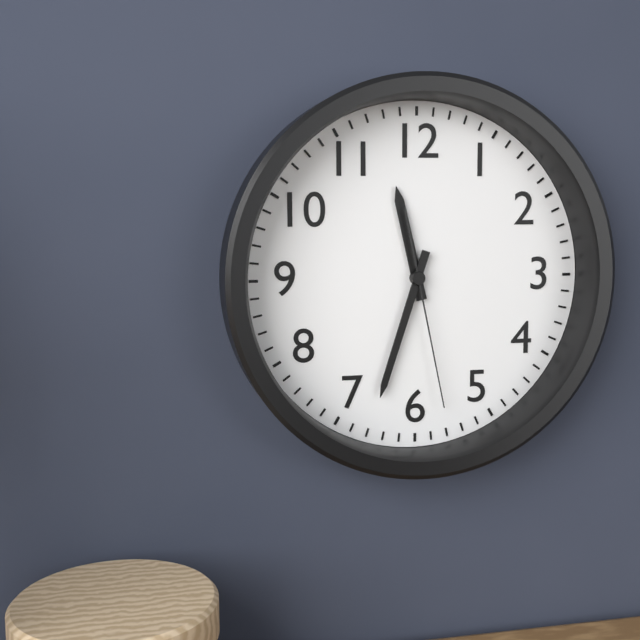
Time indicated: **11:33:28**
